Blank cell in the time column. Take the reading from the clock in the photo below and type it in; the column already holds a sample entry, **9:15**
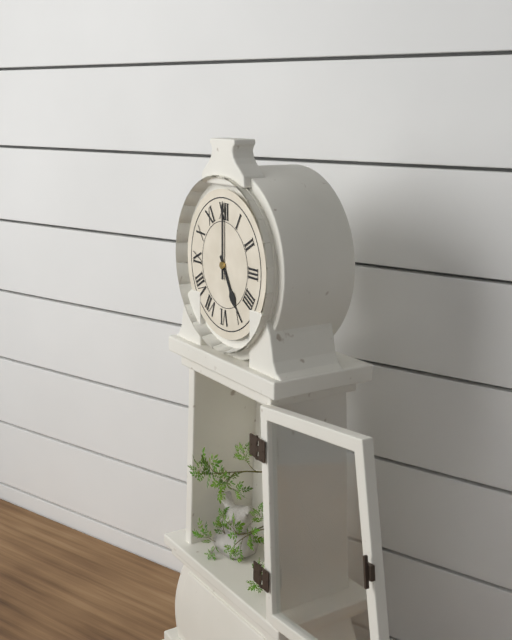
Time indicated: **5:00**
